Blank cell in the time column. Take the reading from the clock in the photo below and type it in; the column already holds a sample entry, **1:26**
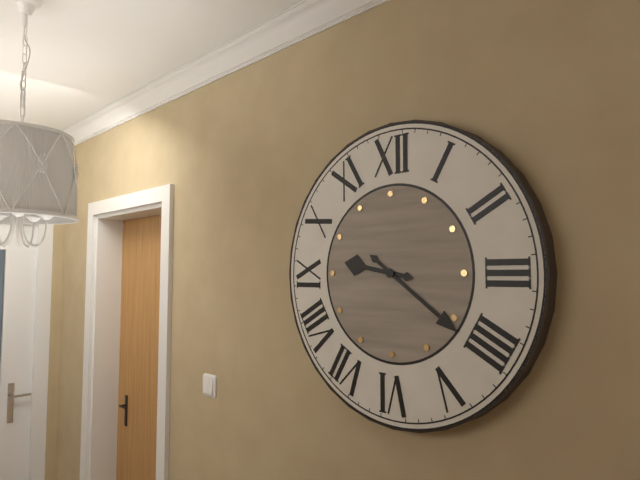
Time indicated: **9:21**
